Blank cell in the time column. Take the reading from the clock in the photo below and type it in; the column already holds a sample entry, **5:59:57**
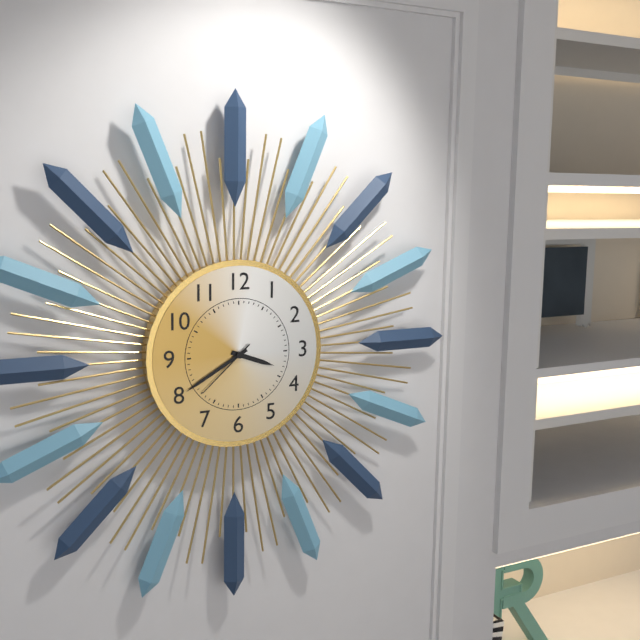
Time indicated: **3:40:38**
